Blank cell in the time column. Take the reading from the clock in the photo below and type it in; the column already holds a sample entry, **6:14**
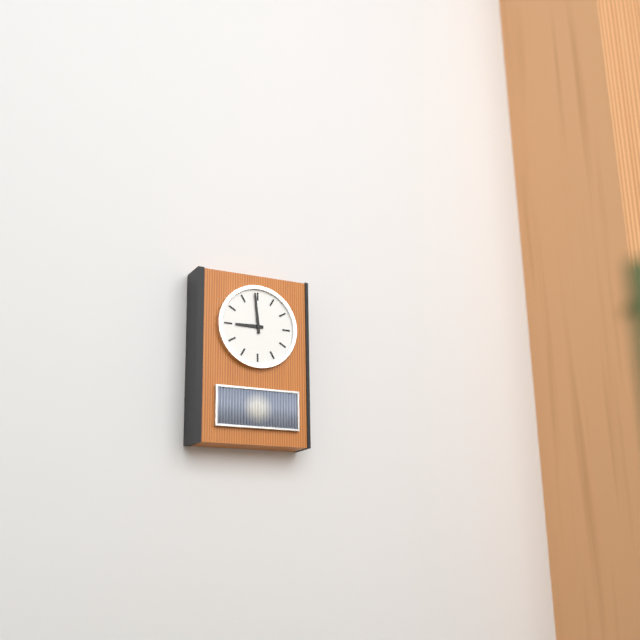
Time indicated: **8:59**
